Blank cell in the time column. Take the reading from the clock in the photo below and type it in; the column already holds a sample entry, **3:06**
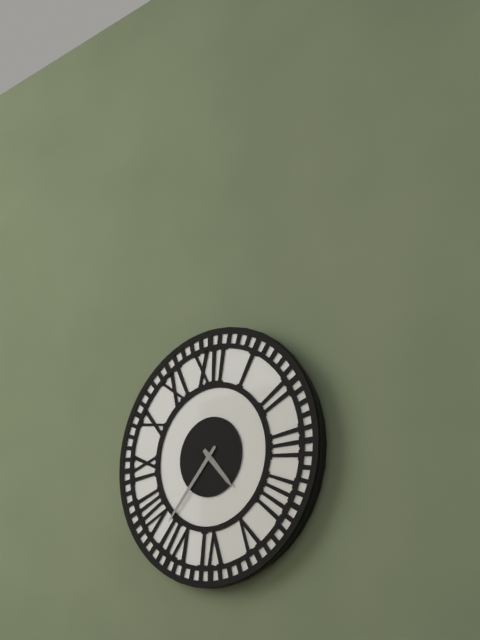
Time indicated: **4:37**
